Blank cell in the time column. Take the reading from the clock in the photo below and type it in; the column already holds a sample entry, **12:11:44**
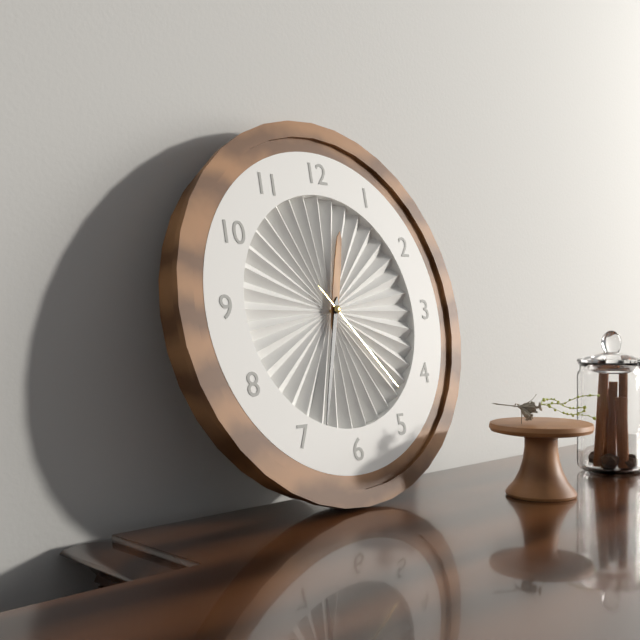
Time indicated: **12:33:23**
